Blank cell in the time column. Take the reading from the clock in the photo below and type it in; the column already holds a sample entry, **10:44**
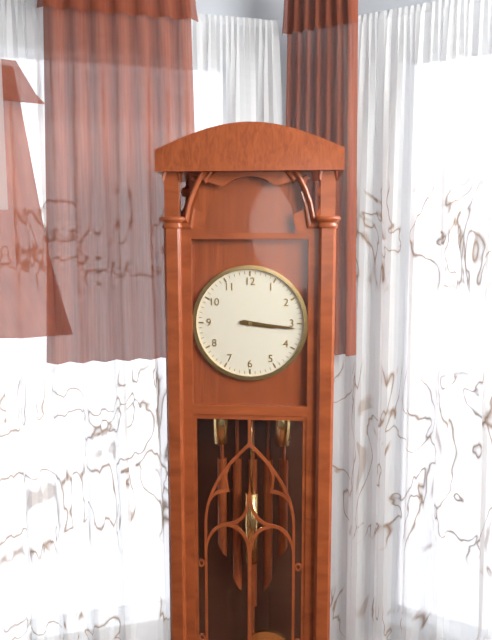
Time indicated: **3:16**
